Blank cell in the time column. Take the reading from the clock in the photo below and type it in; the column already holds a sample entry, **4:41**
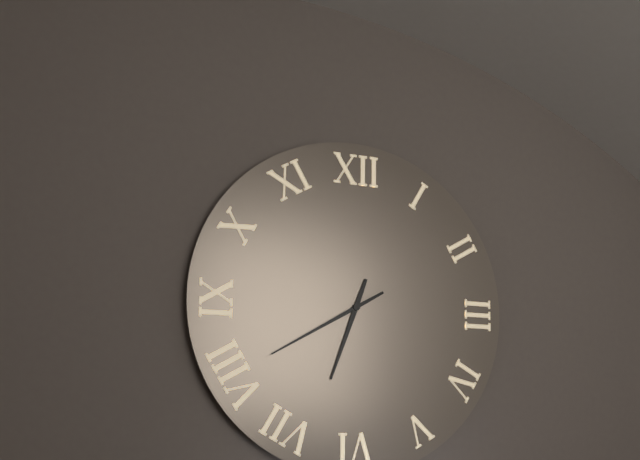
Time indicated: **6:40**
